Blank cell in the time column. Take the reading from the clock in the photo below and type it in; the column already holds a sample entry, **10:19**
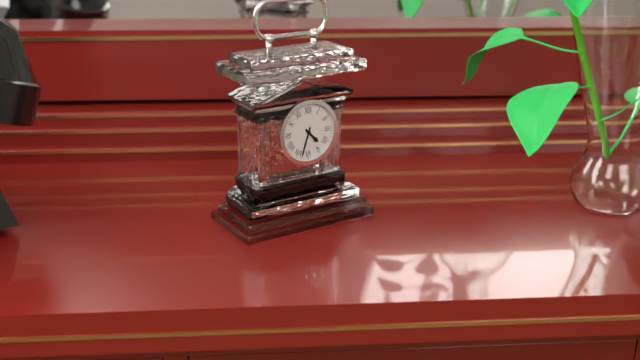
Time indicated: **4:33**
